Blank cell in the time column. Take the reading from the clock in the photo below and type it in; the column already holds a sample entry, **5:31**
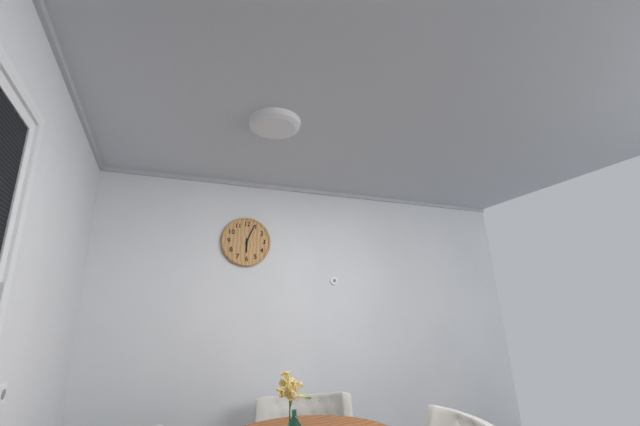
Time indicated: **6:04**
